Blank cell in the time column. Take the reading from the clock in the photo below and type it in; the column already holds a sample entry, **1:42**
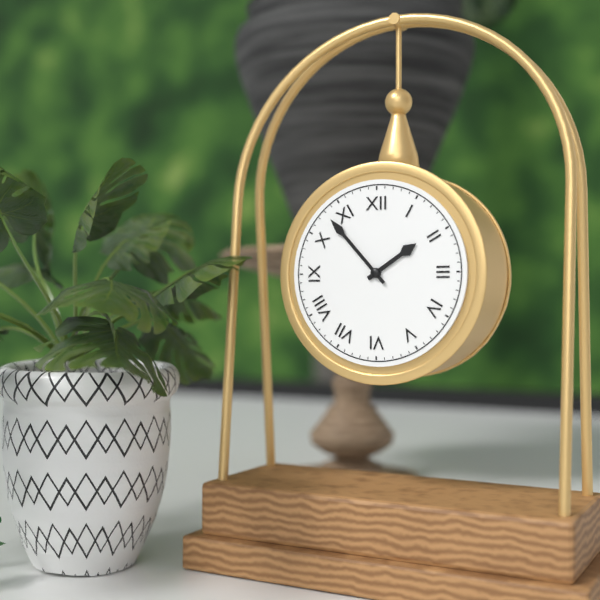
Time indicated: **1:53**
